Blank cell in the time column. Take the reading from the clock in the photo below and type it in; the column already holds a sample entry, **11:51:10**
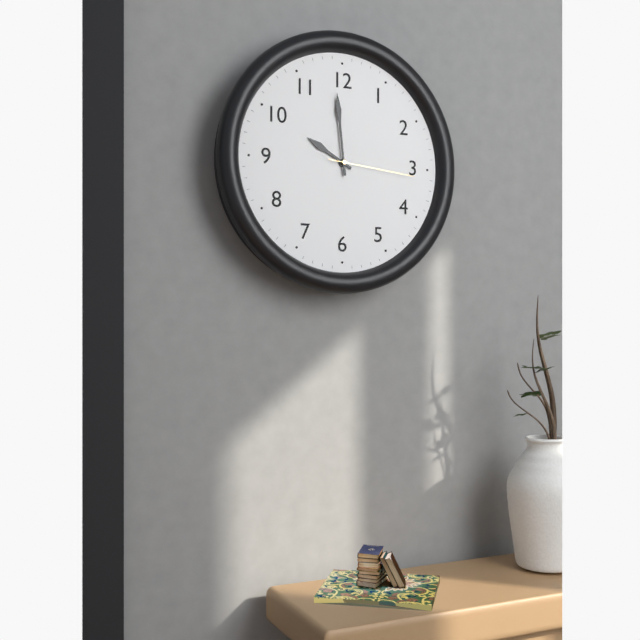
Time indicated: **9:59:16**
